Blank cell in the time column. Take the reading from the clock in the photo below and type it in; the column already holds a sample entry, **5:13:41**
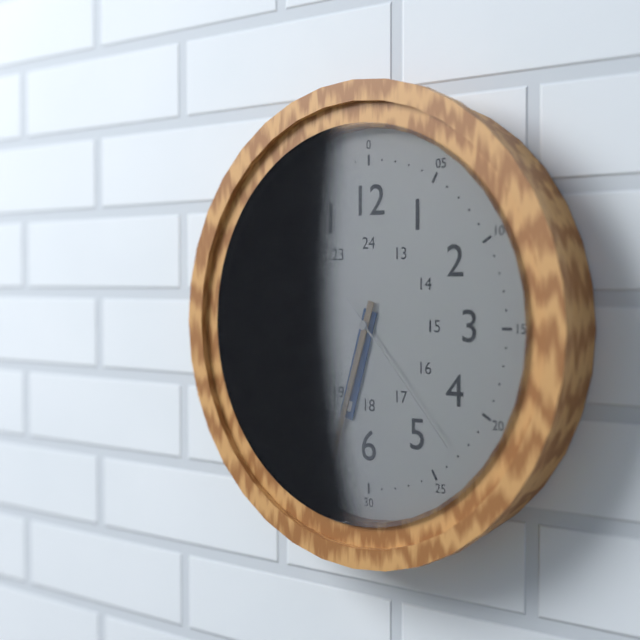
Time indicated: **6:33:23**
